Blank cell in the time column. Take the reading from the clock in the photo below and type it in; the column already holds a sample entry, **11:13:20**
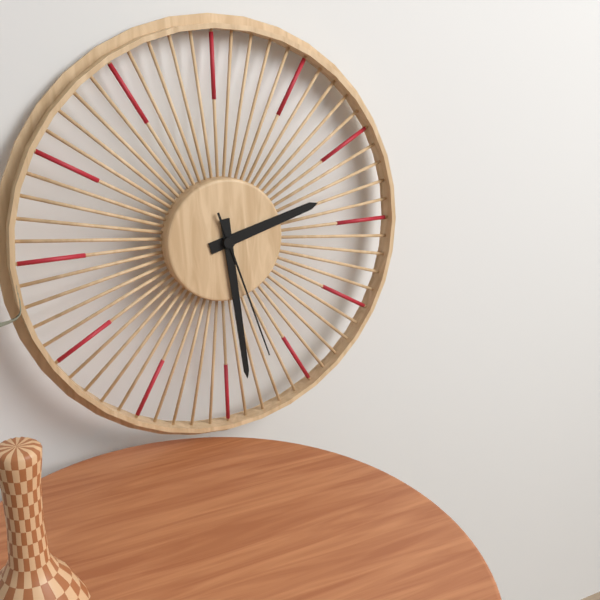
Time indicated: **2:29:27**
